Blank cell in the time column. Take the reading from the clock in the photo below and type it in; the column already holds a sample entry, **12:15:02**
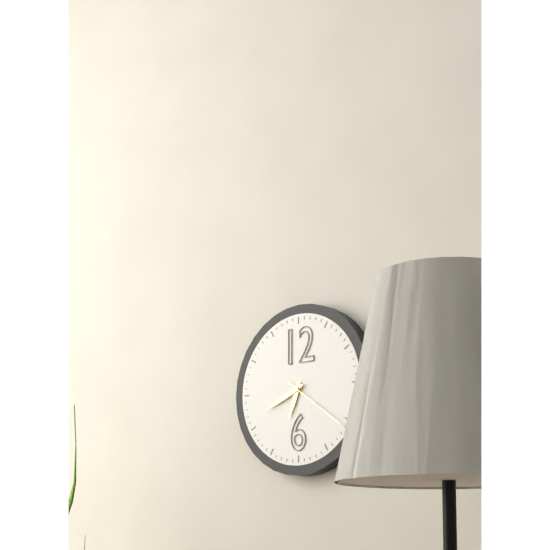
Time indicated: **6:41:21**
